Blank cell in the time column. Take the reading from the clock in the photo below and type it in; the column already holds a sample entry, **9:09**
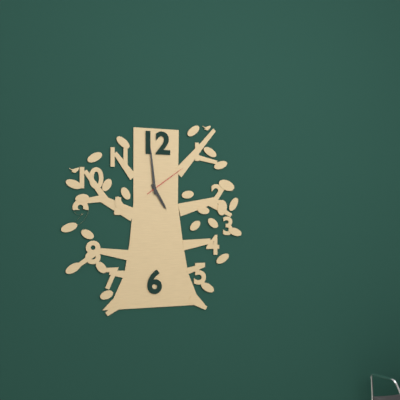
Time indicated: **4:59**
